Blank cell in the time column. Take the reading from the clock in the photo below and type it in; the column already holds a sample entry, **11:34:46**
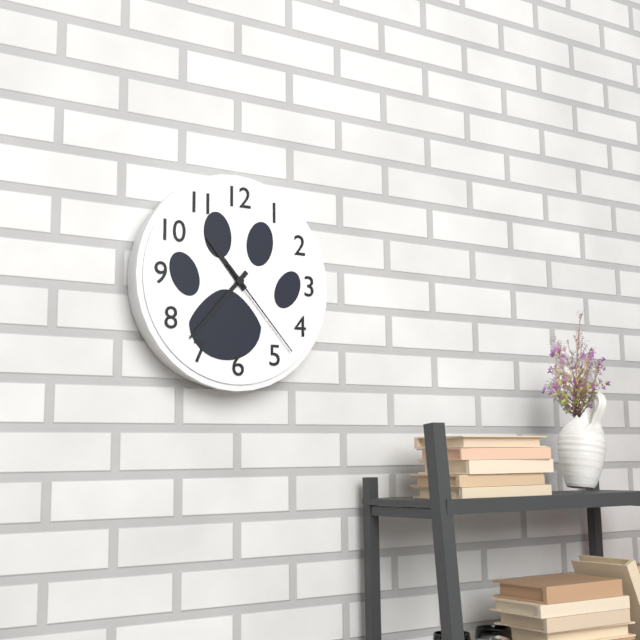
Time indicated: **10:37:23**
